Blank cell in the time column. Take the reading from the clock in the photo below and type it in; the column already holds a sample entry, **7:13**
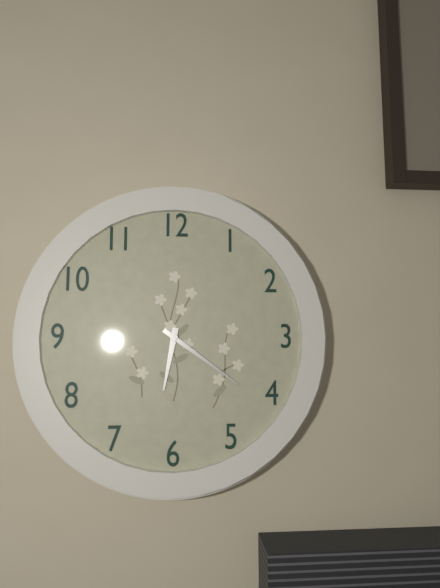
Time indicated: **6:21**
